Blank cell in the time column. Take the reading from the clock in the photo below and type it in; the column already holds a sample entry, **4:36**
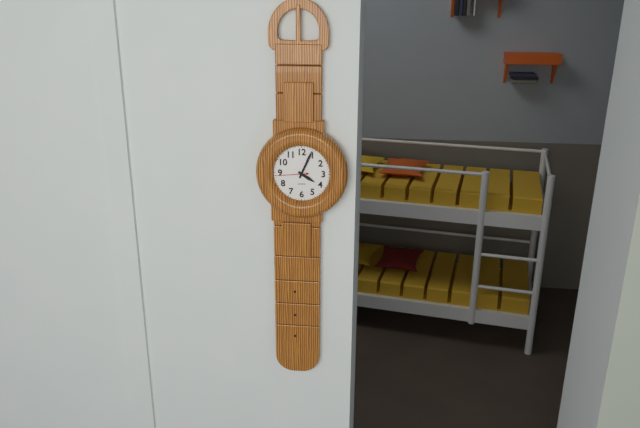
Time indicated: **4:04**
